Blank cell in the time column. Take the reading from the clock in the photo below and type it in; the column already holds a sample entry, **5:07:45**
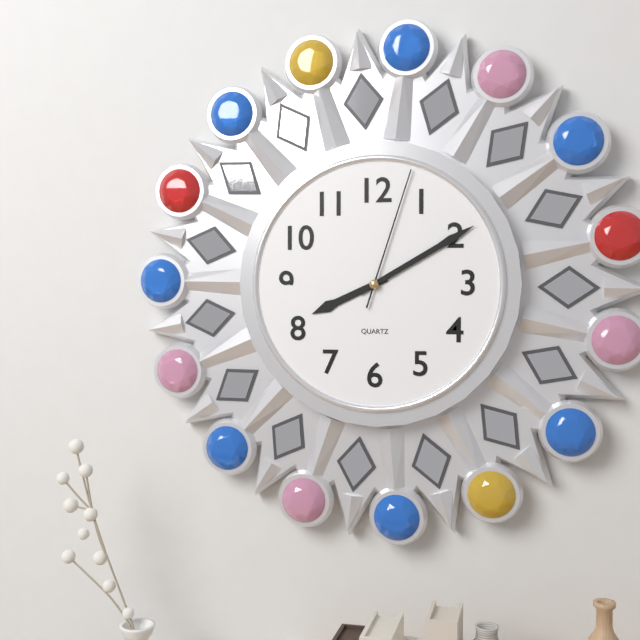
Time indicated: **8:10:03**
